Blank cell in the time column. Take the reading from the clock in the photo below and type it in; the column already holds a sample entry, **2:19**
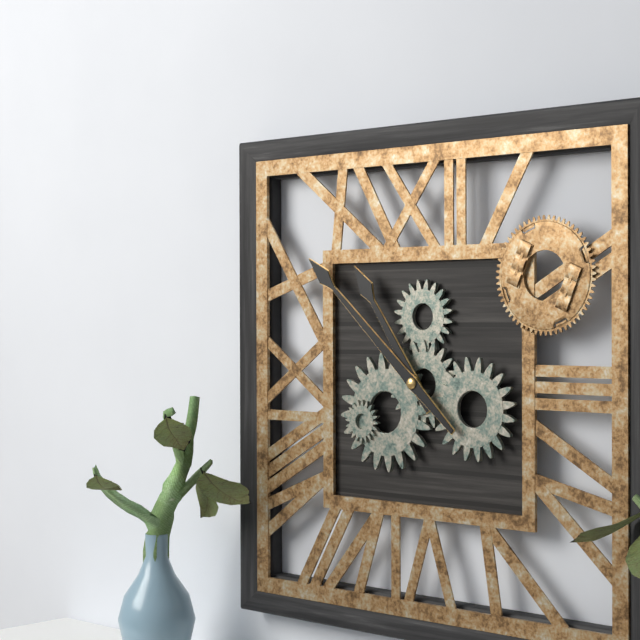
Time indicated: **10:52**
